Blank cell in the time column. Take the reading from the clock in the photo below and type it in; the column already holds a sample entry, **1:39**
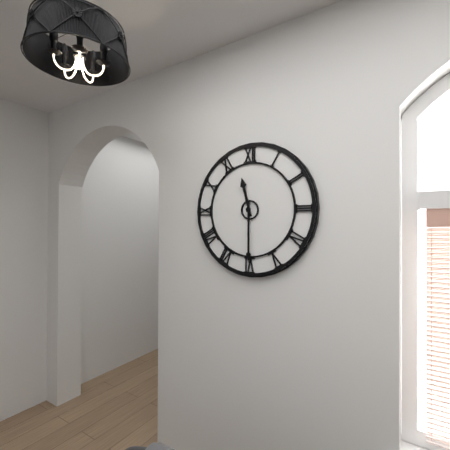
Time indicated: **11:30**
